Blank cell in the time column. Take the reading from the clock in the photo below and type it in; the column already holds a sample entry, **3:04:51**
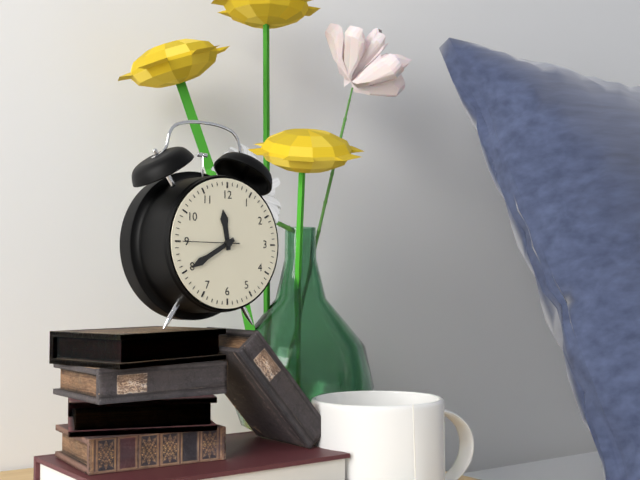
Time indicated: **11:40:45**
